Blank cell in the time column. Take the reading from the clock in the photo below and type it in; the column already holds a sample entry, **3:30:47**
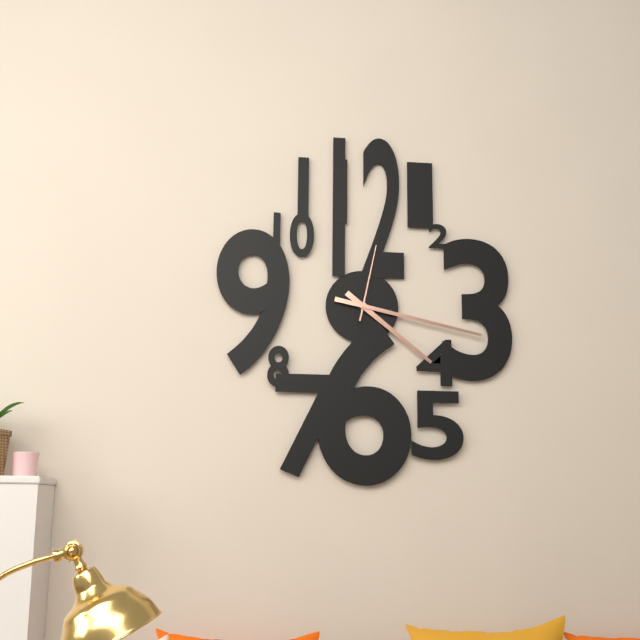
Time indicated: **4:17:02**
